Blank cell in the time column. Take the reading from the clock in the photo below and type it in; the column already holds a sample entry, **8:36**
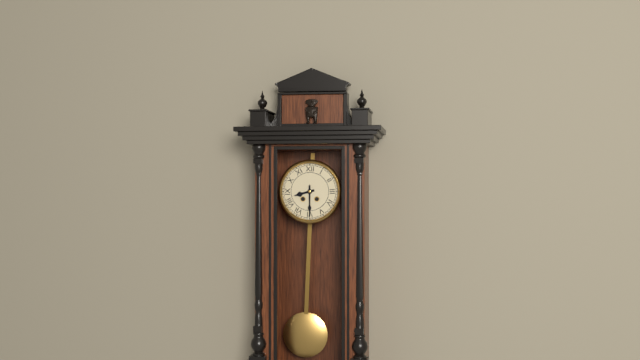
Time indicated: **8:30**
